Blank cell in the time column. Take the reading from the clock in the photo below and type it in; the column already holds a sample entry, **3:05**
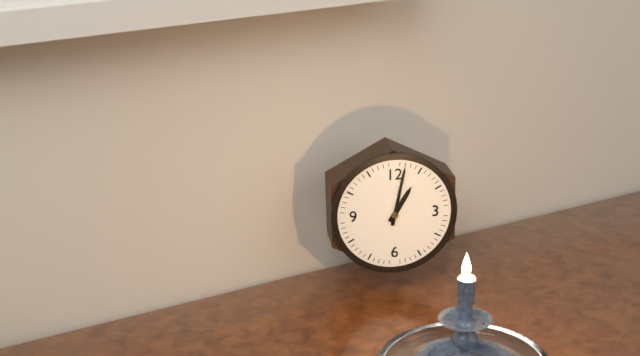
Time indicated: **1:02**
